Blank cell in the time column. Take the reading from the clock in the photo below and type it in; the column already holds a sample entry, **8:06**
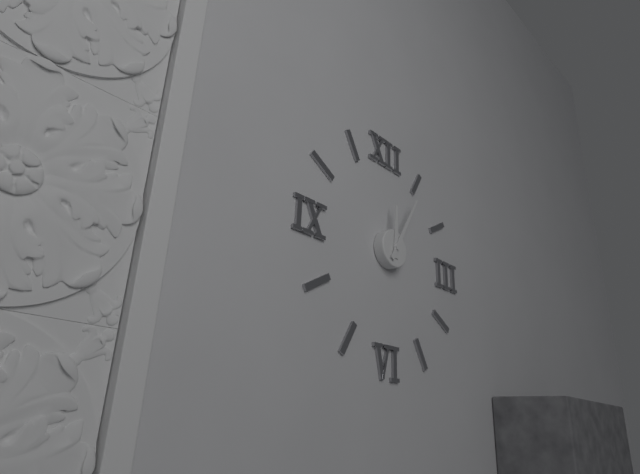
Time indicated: **12:05**
